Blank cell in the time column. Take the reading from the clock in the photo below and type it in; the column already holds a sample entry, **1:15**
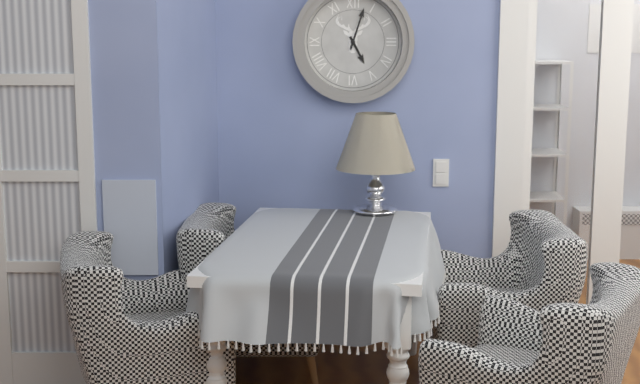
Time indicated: **5:03**
